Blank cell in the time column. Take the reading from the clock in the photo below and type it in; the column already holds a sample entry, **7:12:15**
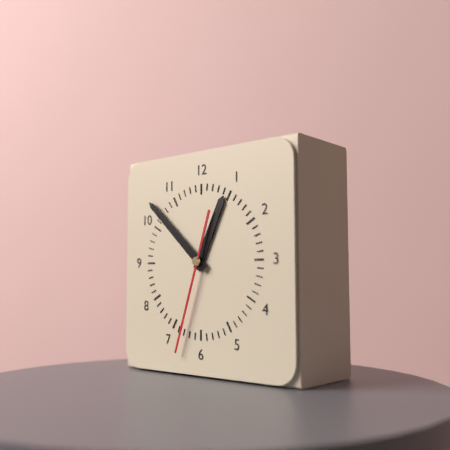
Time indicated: **12:52:33**
